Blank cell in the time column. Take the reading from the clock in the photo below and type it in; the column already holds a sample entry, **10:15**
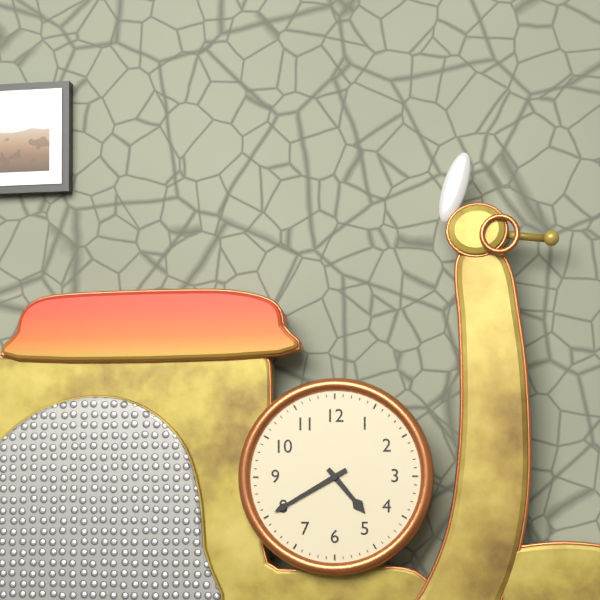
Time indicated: **4:40**
